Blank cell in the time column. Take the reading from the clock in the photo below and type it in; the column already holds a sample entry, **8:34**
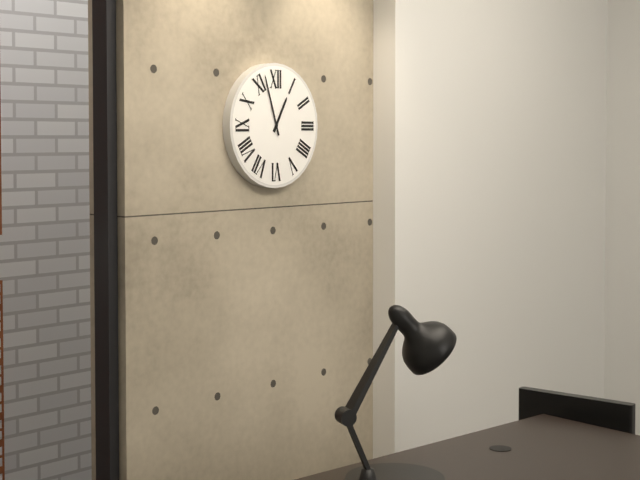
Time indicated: **12:57**
